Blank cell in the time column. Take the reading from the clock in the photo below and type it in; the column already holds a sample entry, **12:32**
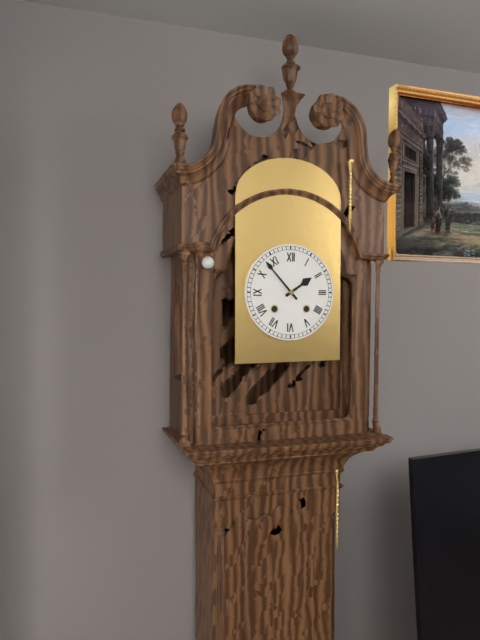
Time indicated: **1:53**
